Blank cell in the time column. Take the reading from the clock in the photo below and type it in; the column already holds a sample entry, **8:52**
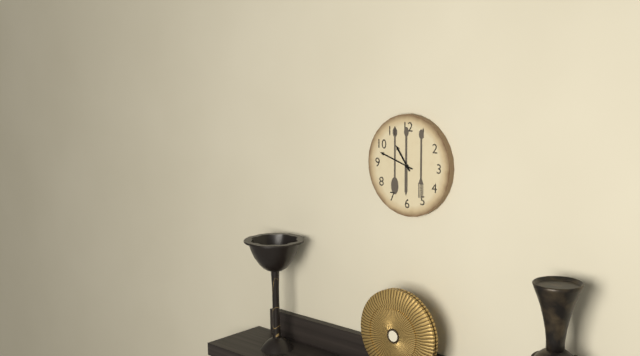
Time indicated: **10:48**
